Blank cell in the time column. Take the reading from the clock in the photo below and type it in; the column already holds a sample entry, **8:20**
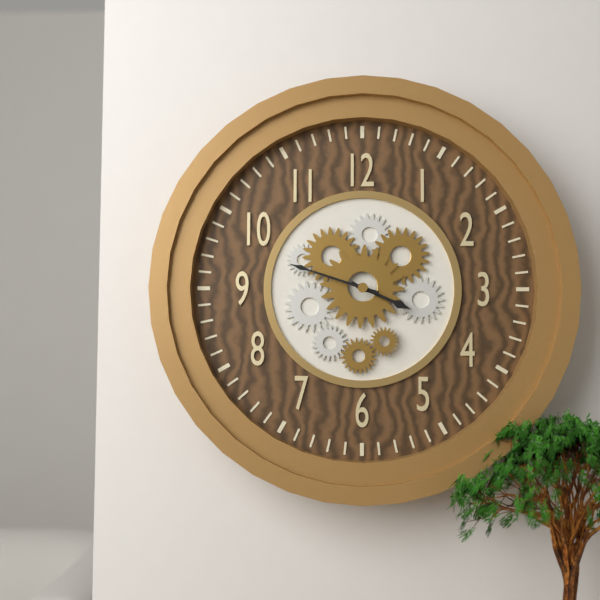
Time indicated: **3:48**
